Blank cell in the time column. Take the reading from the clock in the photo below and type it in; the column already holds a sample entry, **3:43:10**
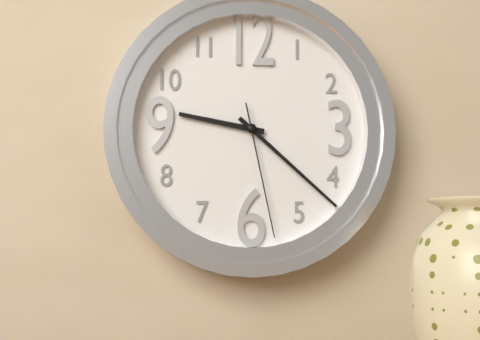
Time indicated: **9:22:28**
